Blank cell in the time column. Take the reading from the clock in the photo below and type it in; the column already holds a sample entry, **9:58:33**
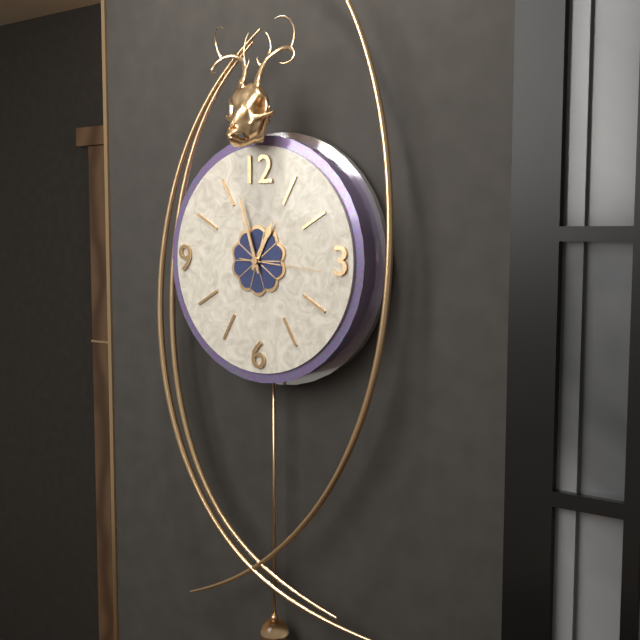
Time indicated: **12:57:16**
